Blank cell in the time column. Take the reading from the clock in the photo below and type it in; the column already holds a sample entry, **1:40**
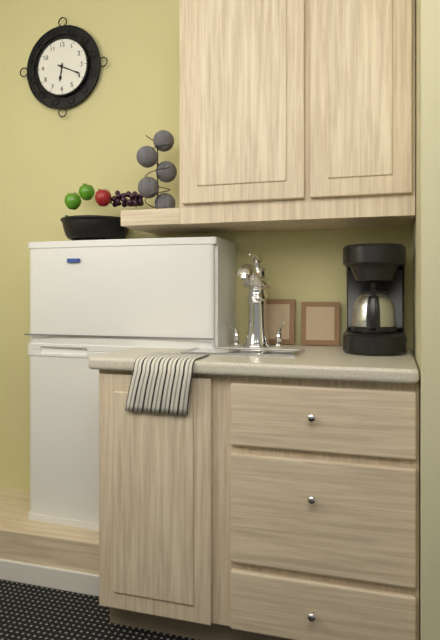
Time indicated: **6:19**
